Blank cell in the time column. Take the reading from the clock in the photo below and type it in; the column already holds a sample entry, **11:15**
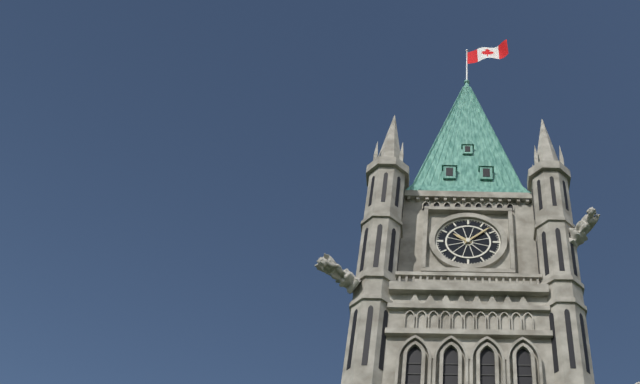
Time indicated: **10:08**
